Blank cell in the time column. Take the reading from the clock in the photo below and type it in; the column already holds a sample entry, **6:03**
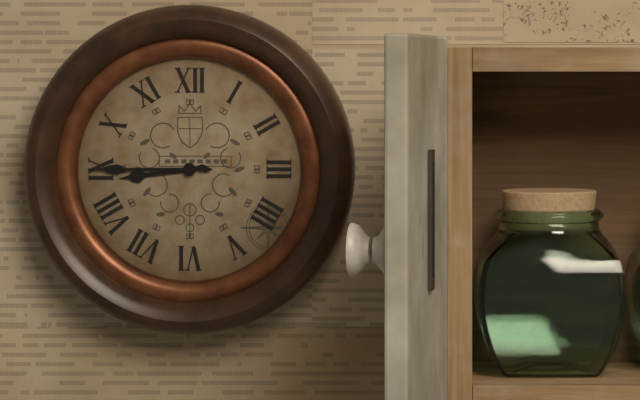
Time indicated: **8:45**
